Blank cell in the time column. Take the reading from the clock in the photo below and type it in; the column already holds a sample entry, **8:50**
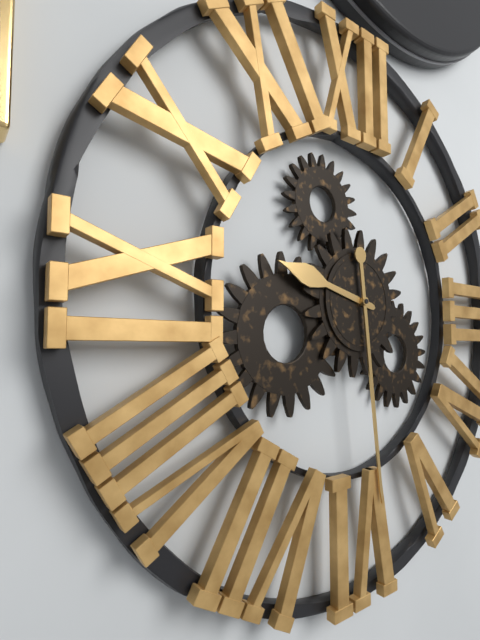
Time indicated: **9:29**
